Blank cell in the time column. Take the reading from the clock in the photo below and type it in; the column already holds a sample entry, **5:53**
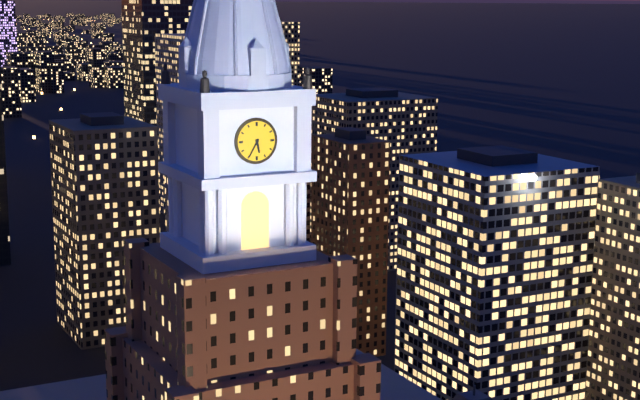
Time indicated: **5:35**
